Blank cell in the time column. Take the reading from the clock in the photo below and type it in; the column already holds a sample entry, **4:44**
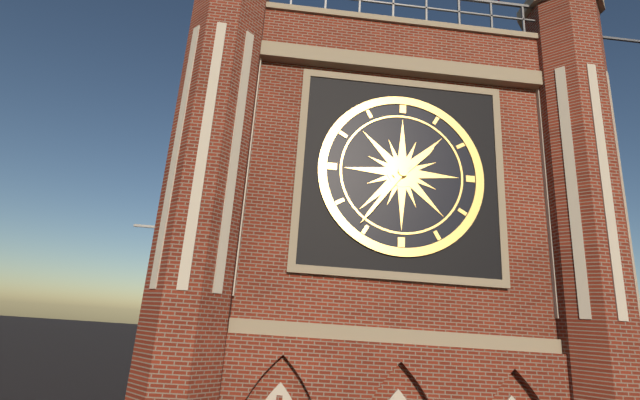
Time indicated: **1:36**
